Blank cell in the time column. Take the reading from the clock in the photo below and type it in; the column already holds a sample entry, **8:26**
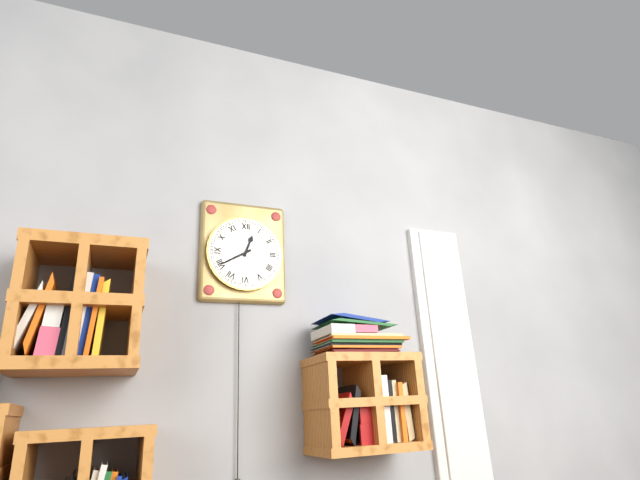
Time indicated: **12:40**
